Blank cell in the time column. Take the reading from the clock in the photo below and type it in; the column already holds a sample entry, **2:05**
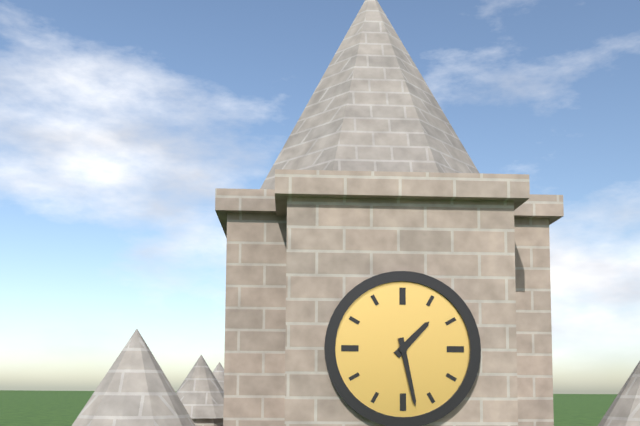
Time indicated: **1:28**
